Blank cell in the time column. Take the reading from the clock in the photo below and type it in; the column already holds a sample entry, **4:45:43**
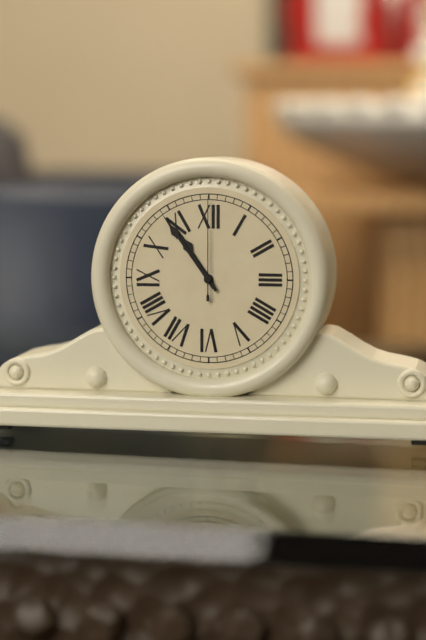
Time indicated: **10:54:00**
